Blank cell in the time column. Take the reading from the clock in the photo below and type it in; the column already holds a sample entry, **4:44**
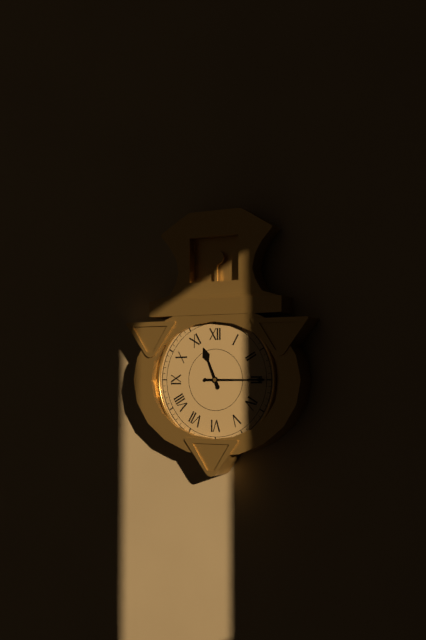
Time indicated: **11:15**
